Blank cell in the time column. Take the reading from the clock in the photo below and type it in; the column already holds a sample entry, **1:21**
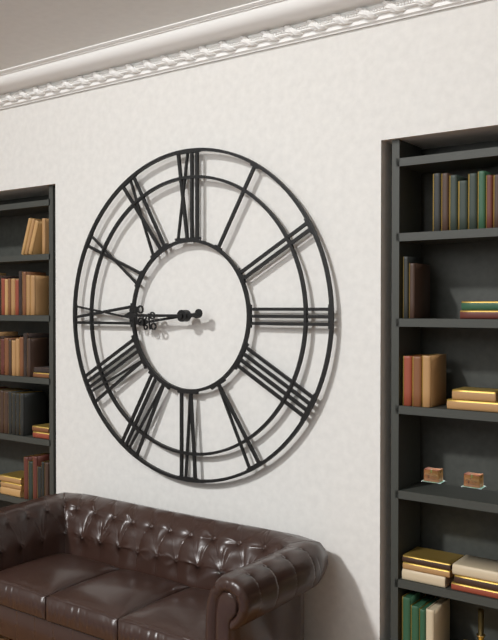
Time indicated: **8:45**
